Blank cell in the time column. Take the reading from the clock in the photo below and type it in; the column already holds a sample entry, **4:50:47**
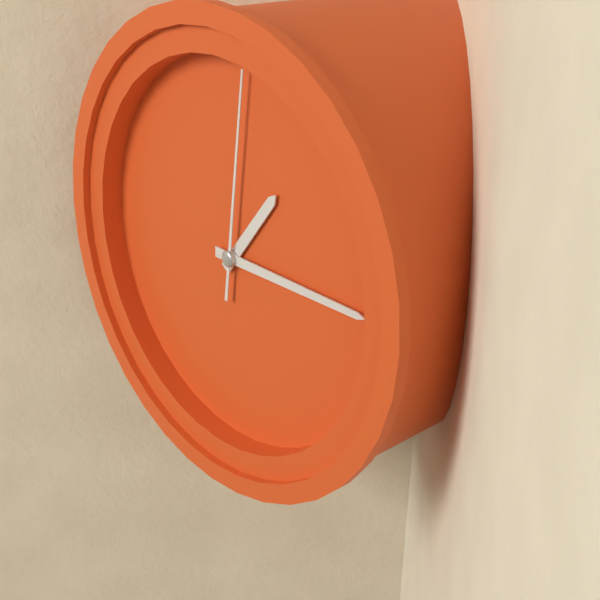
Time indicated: **1:15:01**
